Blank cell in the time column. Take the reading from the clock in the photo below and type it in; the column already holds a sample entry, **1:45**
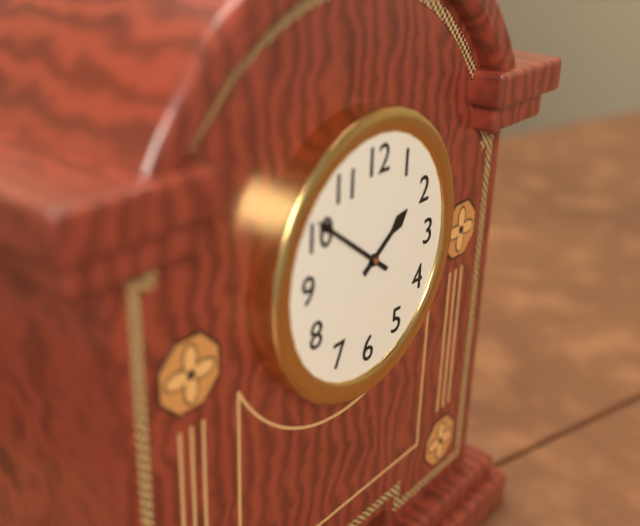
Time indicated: **1:51**
